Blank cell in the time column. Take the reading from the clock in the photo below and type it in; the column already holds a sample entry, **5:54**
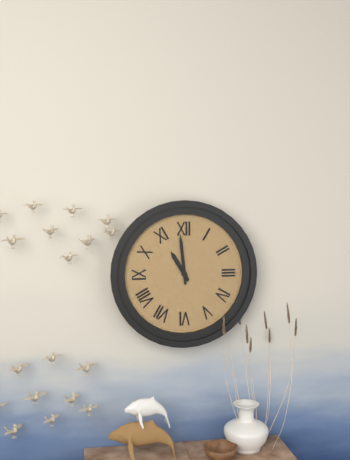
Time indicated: **10:59**
